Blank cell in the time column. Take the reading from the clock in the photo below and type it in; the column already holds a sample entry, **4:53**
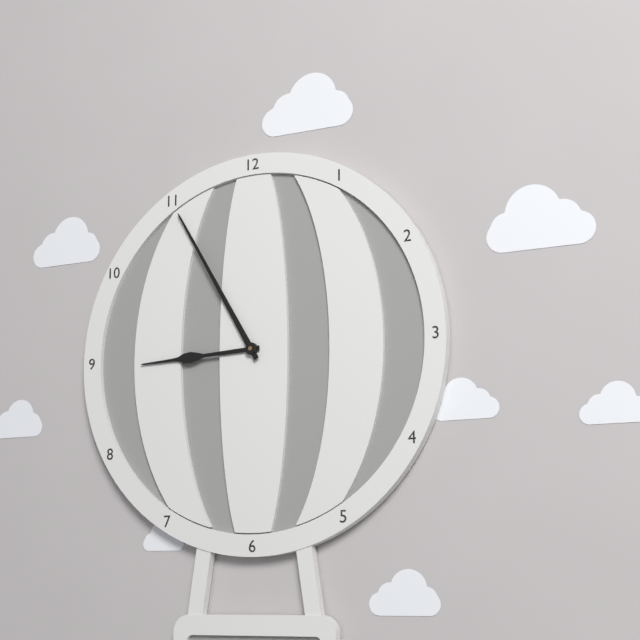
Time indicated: **8:55**
